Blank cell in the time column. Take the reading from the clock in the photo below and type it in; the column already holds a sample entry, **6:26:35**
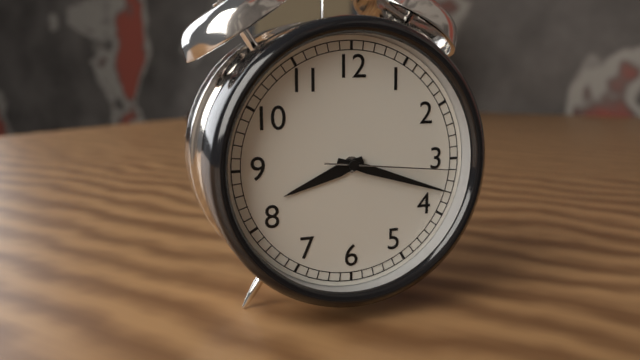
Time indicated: **8:18:16**
